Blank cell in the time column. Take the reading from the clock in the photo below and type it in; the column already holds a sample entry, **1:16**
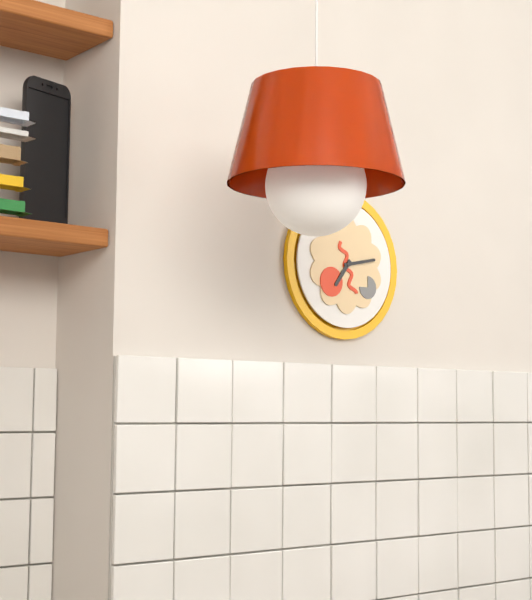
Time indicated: **7:13**
